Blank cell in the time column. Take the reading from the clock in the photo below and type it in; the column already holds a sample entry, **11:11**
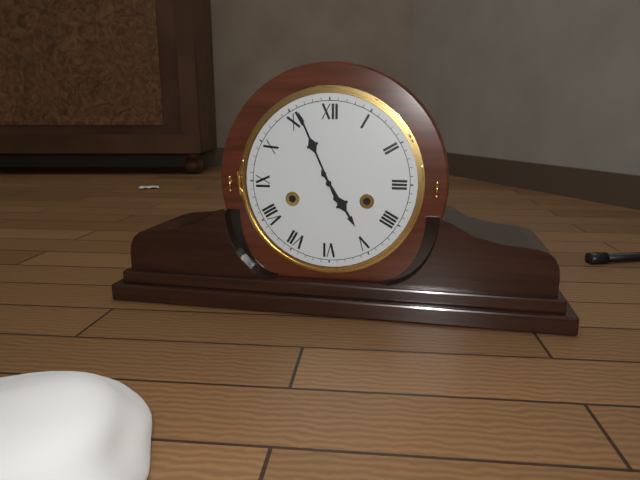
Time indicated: **4:56**
